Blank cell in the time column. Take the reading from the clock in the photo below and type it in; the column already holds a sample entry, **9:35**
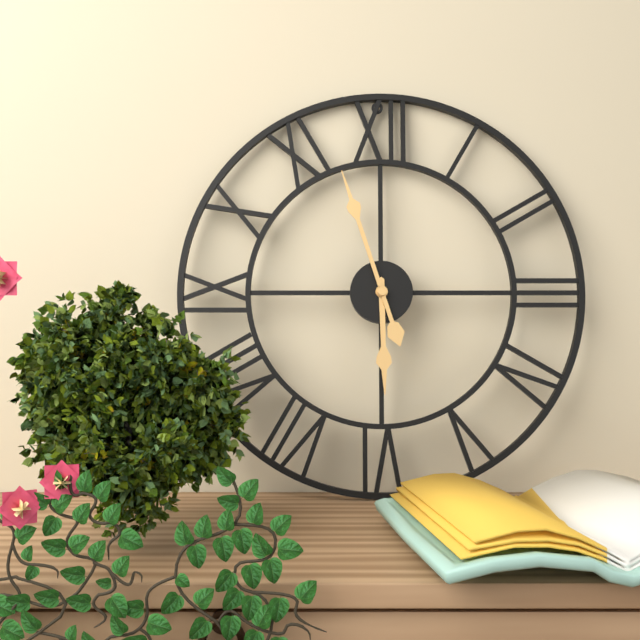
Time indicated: **5:57**
